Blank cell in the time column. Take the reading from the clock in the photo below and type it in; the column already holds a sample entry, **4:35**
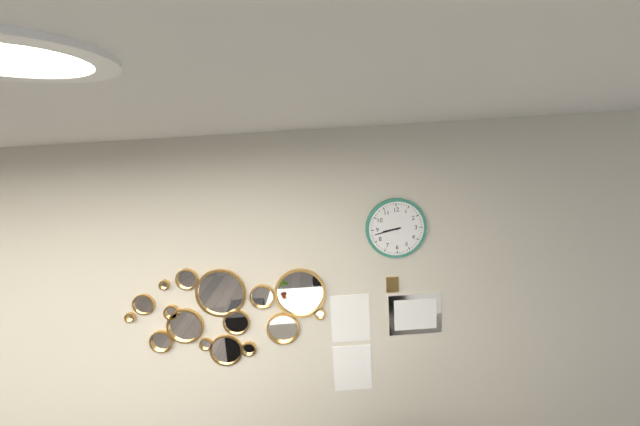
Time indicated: **8:43**
